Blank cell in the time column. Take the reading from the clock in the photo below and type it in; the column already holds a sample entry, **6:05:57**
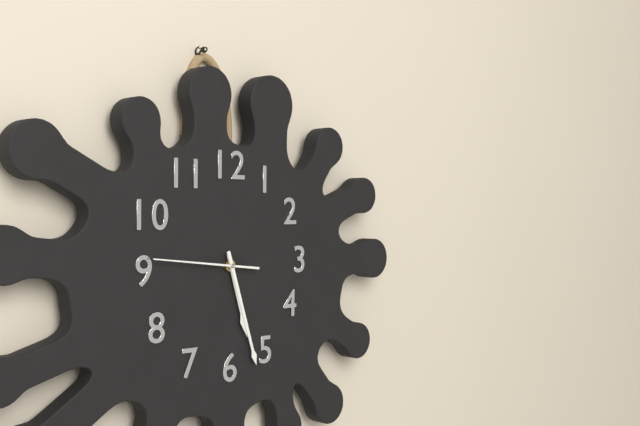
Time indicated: **5:27:46**
